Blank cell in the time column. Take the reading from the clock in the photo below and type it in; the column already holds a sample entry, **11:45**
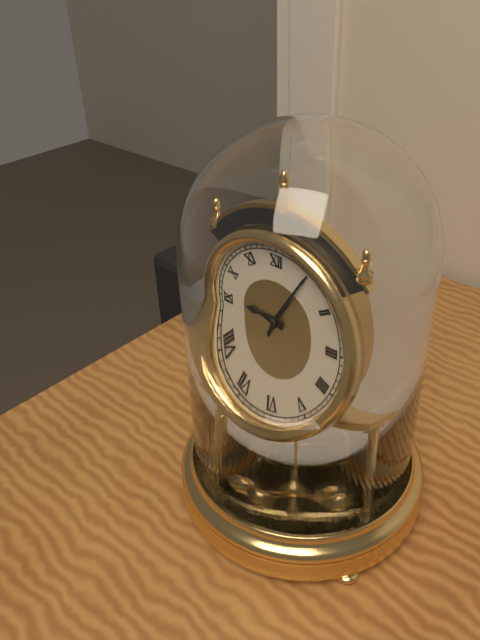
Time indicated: **9:05**
